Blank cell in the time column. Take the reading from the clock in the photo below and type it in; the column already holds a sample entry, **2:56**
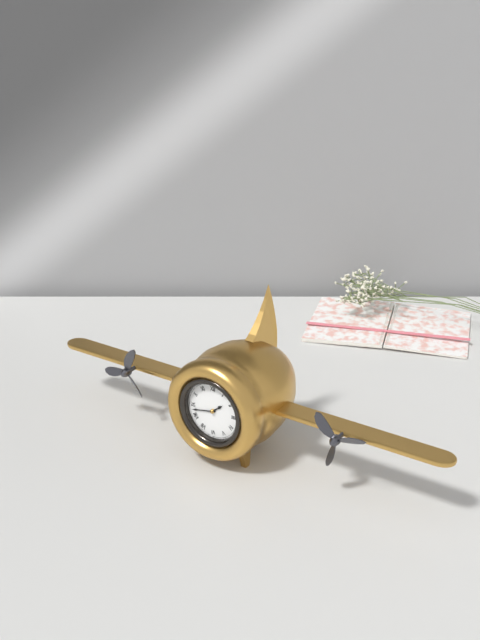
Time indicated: **1:43**
